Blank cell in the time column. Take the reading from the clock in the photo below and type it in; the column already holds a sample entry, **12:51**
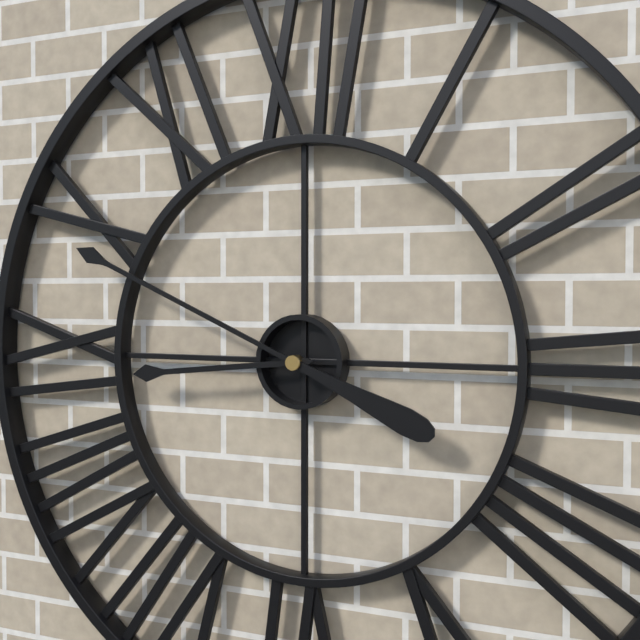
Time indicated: **8:49**
